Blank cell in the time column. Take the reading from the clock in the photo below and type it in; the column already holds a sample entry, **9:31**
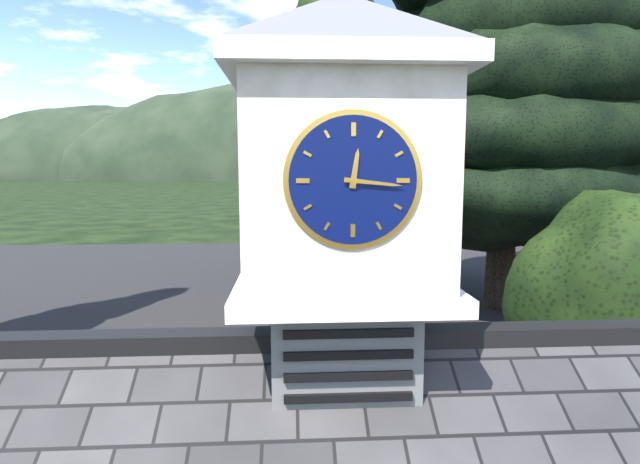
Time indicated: **12:16**
